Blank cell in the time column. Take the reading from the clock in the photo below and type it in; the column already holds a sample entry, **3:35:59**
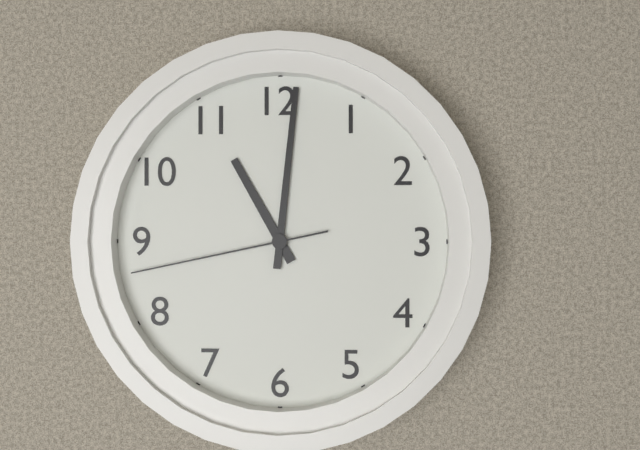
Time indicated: **11:01:43**
